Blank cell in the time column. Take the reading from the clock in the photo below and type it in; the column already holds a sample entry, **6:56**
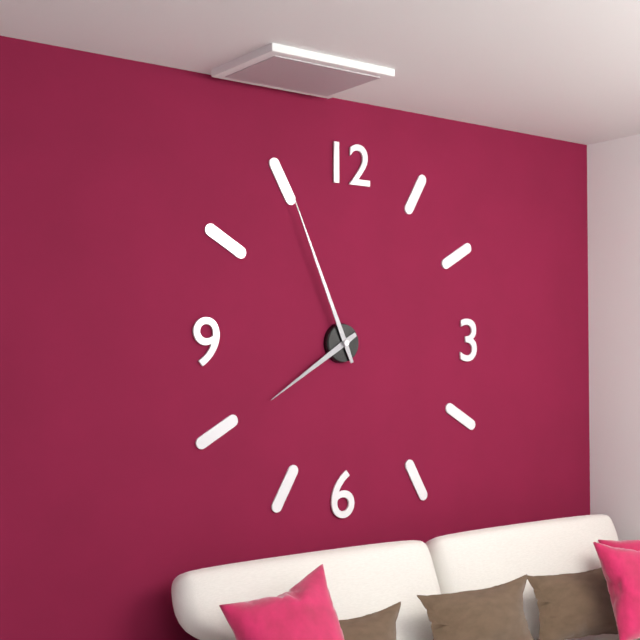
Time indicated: **7:56**
